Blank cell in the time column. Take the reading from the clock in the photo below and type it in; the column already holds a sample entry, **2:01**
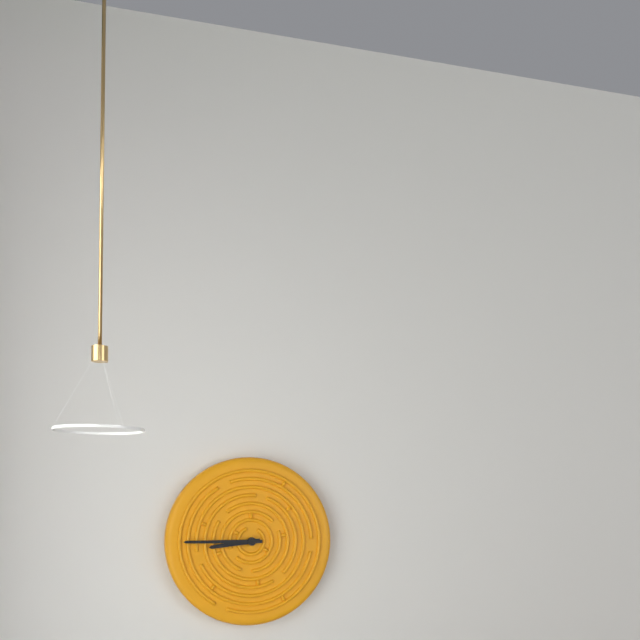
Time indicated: **8:45**
